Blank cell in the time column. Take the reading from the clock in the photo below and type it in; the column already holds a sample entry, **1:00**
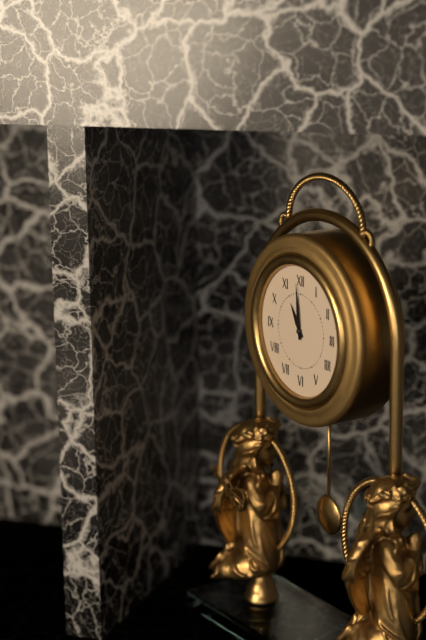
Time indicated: **10:59**
